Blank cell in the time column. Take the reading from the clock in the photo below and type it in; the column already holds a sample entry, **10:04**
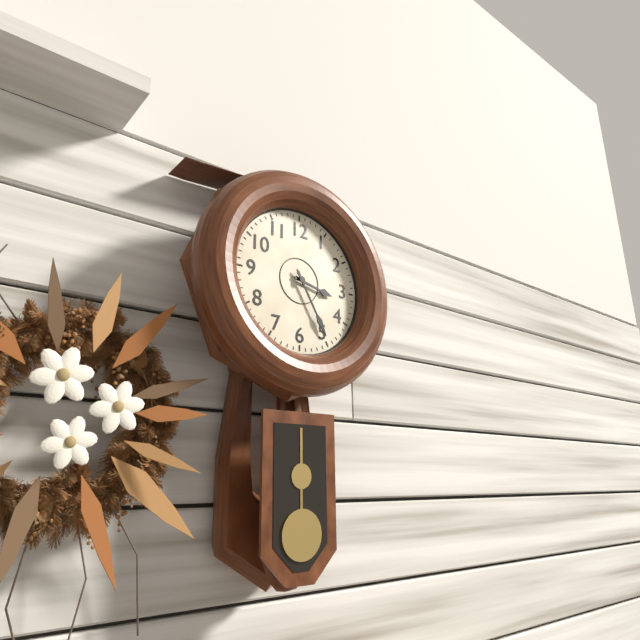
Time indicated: **3:25**
